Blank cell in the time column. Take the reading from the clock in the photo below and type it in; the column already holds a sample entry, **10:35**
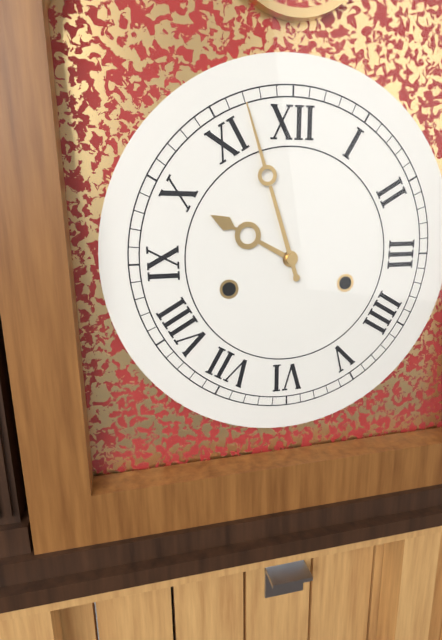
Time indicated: **9:57**
